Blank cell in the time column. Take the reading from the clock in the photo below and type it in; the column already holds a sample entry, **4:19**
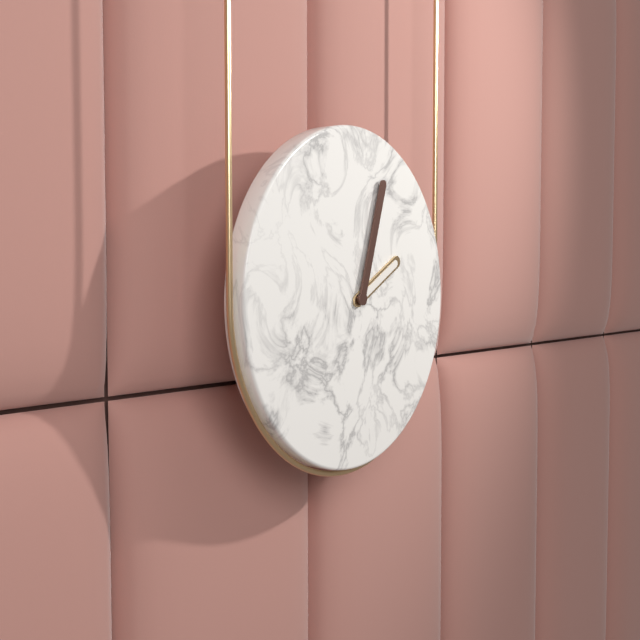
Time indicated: **2:03**
